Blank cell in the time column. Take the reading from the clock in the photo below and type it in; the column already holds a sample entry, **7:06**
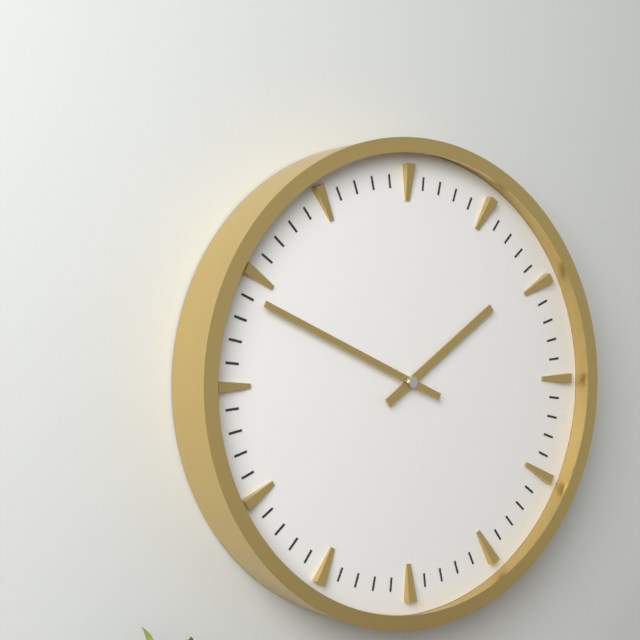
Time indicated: **1:49**
